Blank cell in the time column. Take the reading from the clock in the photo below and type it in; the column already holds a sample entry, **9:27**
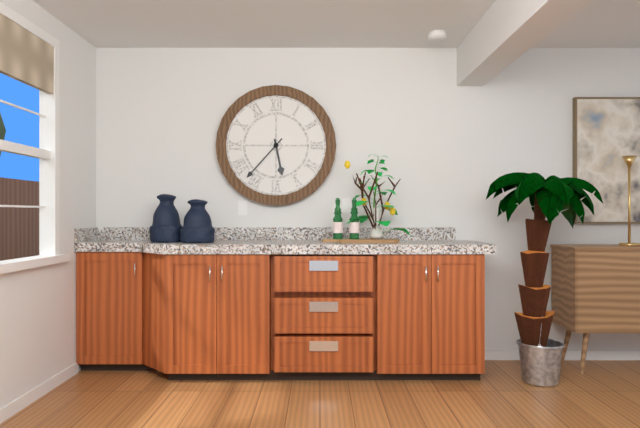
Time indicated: **5:37**
